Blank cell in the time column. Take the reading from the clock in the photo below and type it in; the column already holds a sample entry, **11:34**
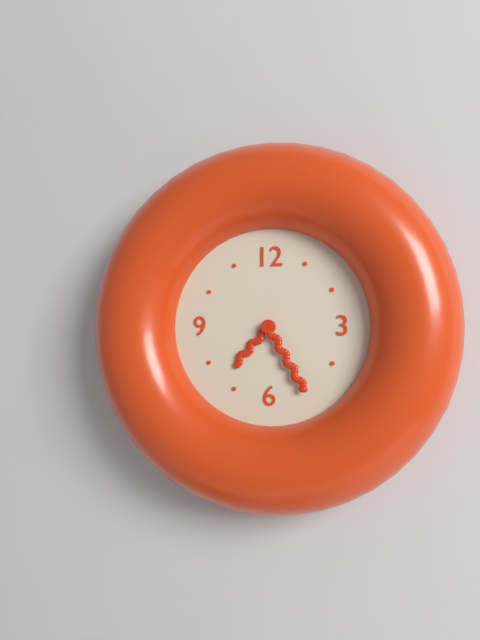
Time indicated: **7:25**
